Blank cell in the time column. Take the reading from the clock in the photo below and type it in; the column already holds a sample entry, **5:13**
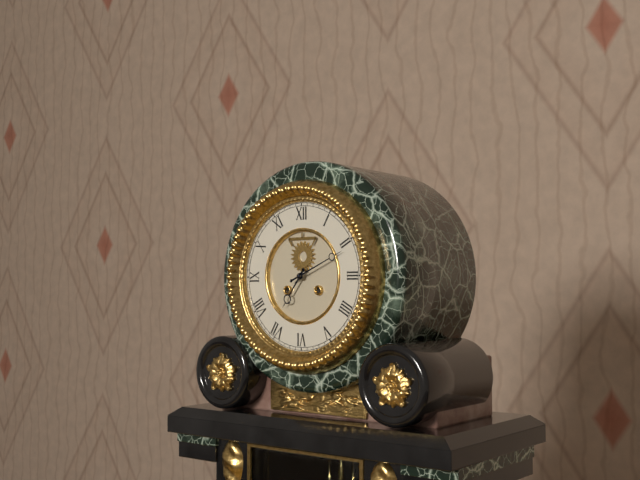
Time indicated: **7:11**
